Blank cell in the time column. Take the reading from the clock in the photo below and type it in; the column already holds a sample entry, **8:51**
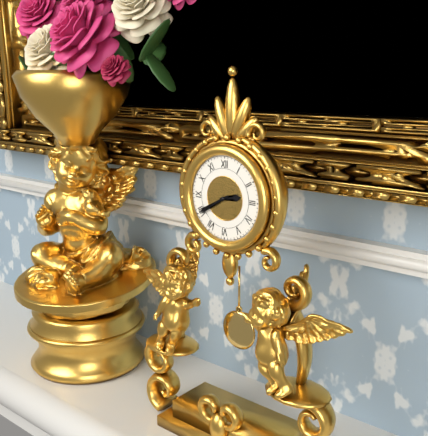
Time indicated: **2:40**
